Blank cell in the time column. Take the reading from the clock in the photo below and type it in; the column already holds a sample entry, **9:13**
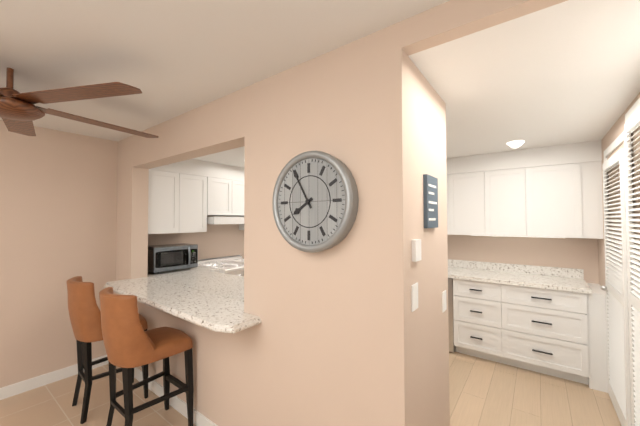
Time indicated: **7:55**
